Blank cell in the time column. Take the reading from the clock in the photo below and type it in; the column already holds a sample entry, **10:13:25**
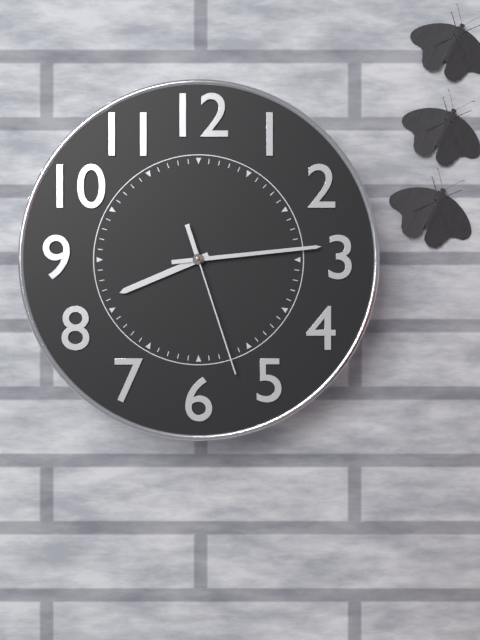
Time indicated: **8:14:27**
